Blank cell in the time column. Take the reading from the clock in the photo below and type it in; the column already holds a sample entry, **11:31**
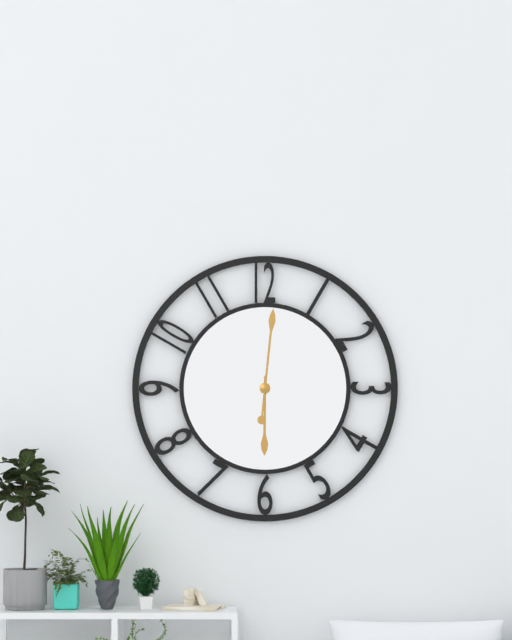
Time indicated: **6:01**
